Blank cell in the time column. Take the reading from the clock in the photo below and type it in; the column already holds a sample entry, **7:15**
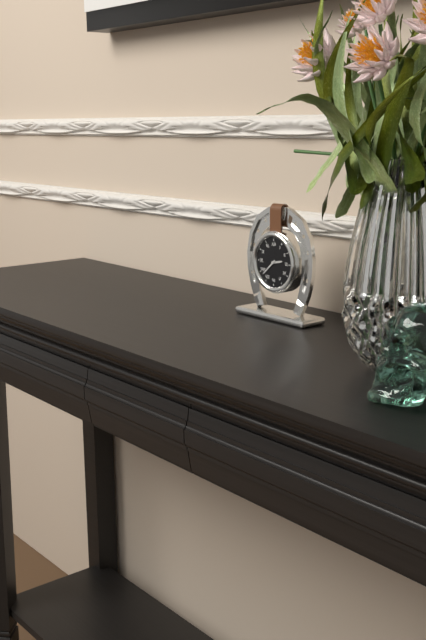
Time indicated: **2:38**
